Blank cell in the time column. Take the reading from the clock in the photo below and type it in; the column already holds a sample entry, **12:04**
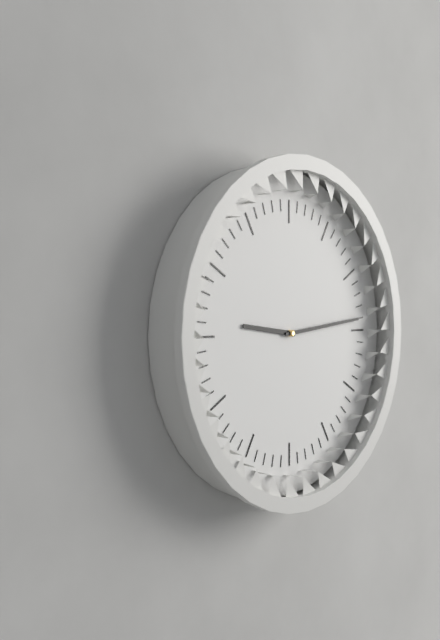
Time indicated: **9:14**
